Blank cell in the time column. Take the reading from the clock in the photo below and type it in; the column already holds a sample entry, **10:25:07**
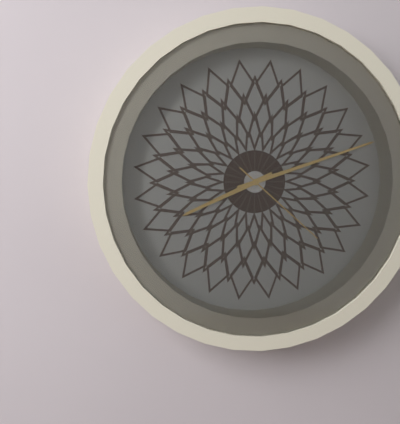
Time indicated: **8:12:22**
